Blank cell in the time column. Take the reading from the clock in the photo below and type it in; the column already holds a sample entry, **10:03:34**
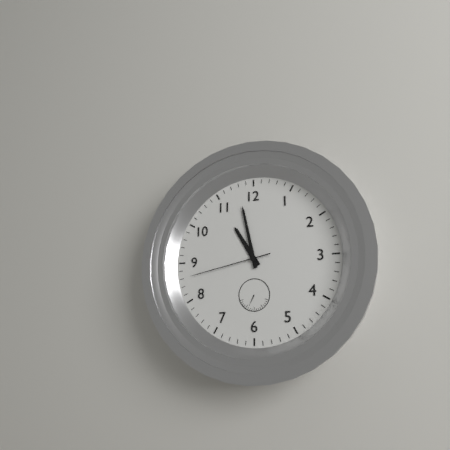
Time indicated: **10:58:43**
